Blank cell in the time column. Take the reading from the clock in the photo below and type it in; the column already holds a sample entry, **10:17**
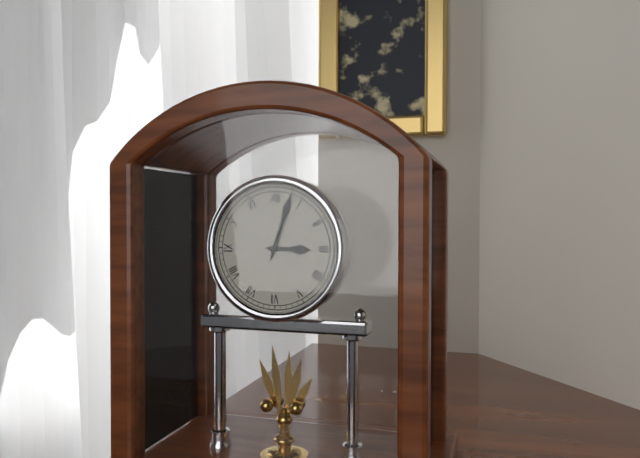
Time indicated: **3:03**
